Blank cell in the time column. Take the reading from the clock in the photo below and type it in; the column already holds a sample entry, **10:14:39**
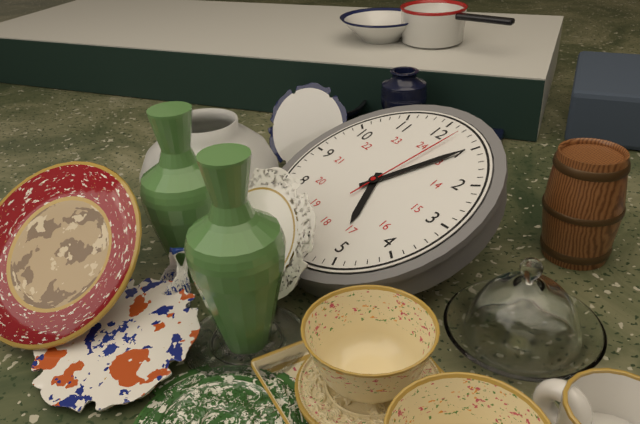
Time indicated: **5:05:02**
